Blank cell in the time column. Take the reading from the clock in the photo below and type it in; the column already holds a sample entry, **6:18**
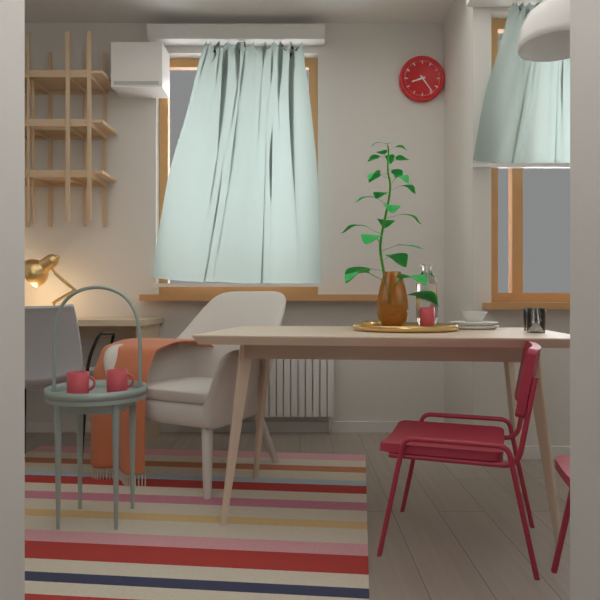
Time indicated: **8:24**
